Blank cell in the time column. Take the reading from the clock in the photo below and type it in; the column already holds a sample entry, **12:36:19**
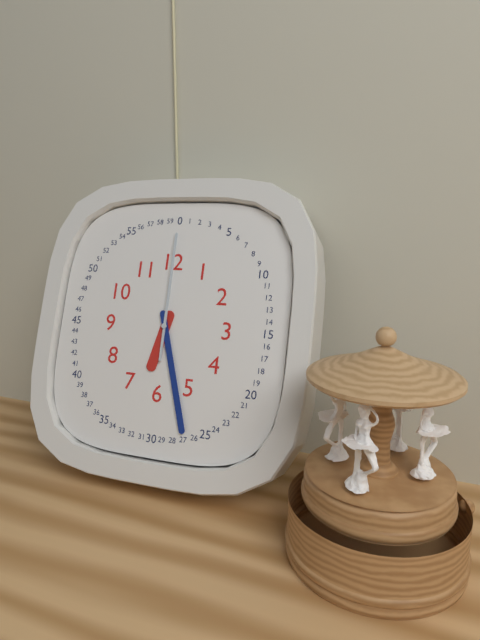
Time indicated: **6:27:00**
